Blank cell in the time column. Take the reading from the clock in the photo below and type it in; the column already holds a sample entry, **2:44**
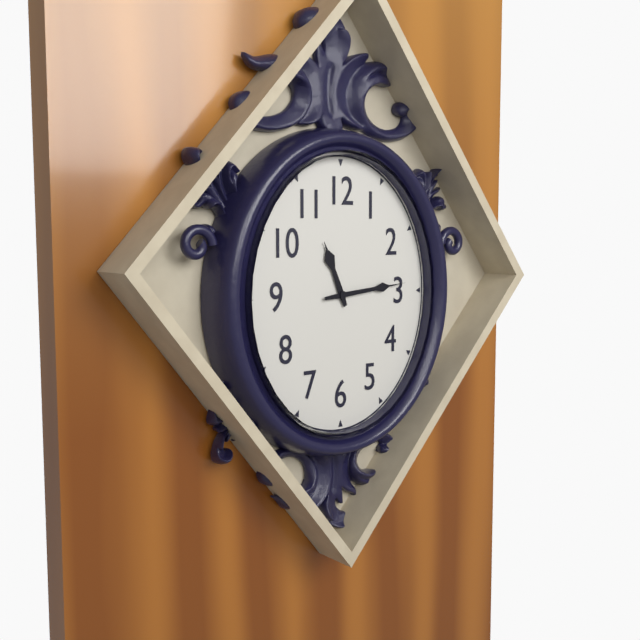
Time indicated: **11:14**
